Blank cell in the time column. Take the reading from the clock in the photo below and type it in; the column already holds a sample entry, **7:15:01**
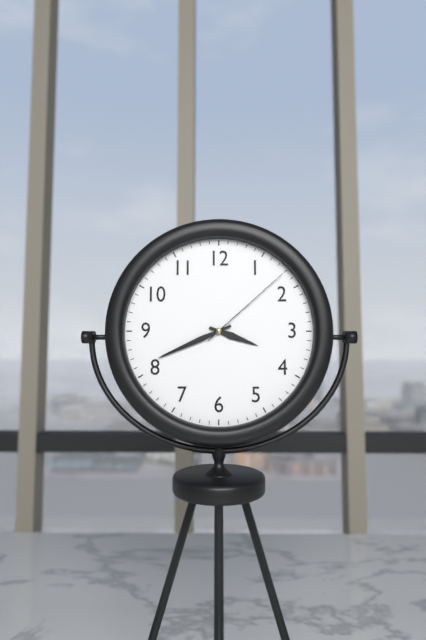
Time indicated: **3:41:08**
